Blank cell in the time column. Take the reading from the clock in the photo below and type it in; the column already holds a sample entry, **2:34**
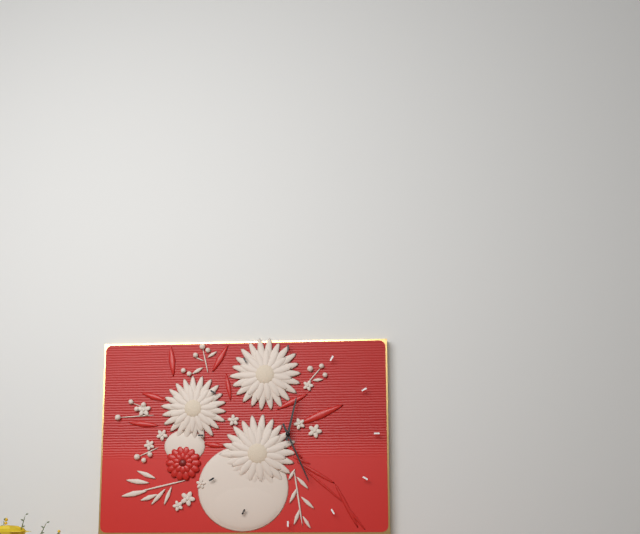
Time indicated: **12:26**
